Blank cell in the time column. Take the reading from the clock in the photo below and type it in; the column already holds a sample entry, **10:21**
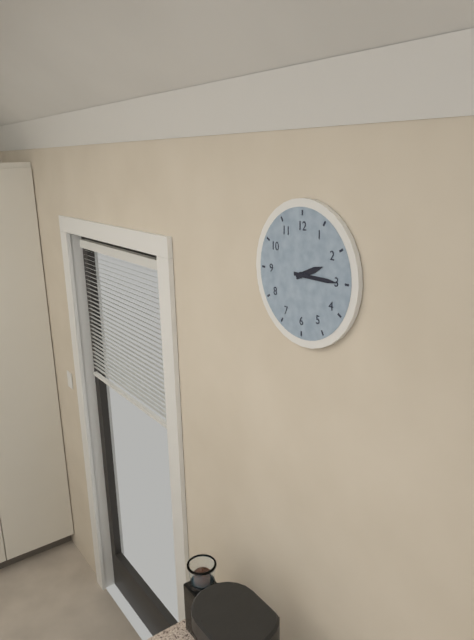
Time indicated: **2:15**
